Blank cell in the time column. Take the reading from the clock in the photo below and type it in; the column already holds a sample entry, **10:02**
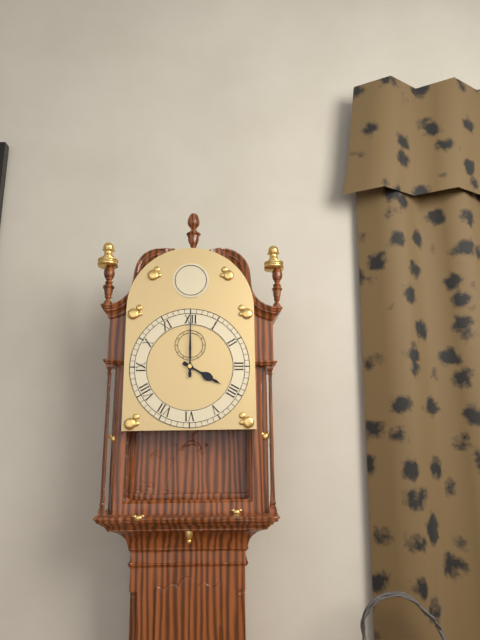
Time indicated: **4:00**
